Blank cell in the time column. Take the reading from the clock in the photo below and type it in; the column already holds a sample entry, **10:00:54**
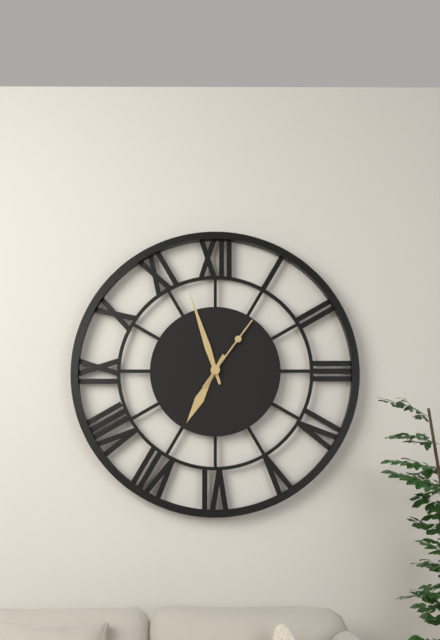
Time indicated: **6:57:06**
